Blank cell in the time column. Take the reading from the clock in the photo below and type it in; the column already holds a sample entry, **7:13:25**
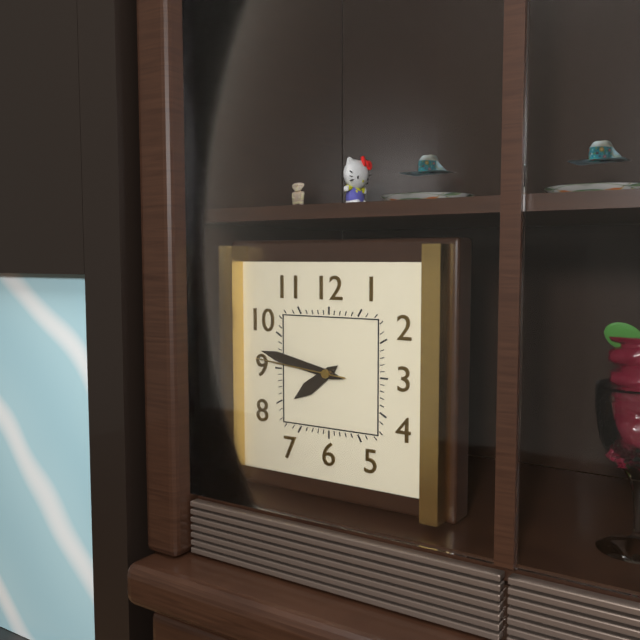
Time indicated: **7:47:46**
